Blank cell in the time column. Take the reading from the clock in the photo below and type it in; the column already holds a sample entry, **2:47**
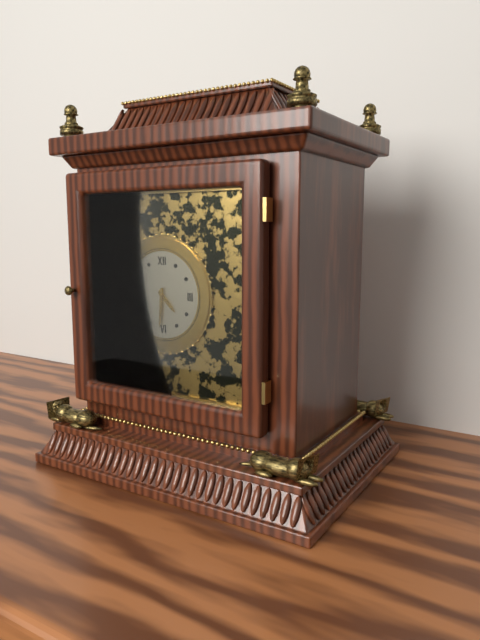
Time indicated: **4:31**
